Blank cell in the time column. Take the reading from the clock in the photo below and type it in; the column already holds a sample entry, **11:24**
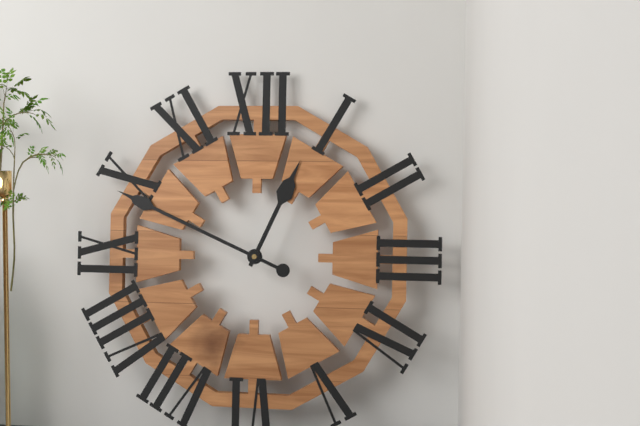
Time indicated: **12:49**
